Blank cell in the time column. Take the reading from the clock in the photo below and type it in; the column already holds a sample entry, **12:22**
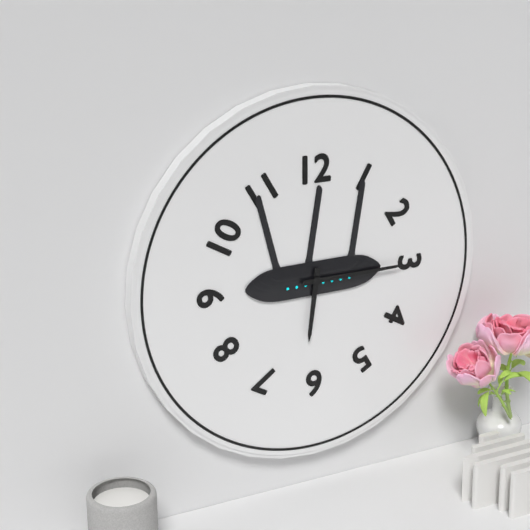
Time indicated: **6:15**
